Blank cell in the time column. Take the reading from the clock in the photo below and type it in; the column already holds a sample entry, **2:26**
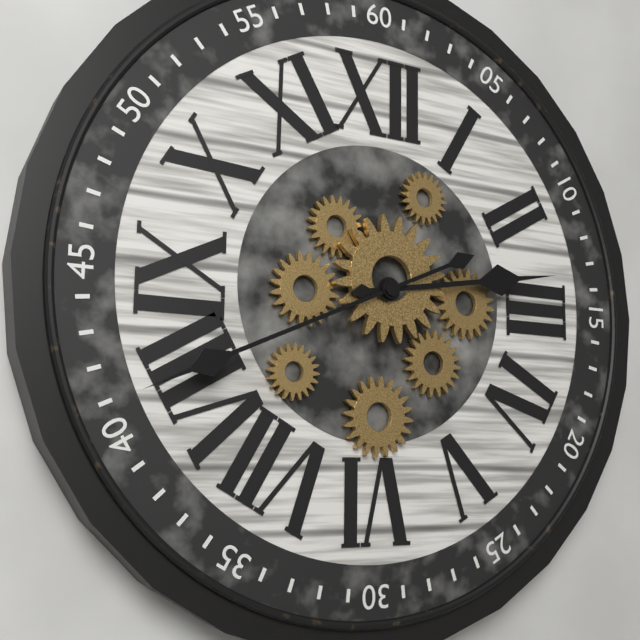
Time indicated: **2:41**
